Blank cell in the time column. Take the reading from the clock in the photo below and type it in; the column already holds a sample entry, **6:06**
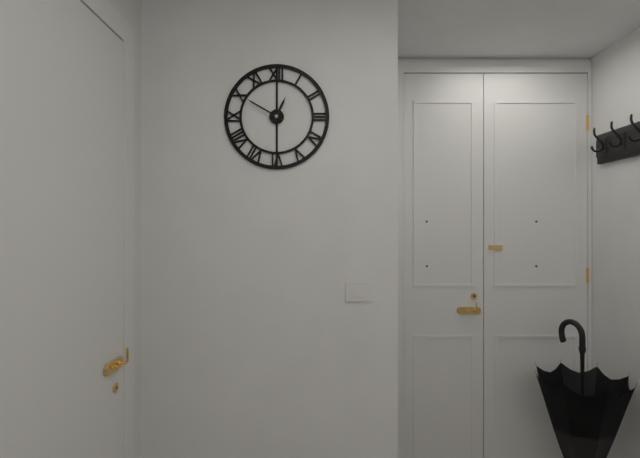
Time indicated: **12:50**
